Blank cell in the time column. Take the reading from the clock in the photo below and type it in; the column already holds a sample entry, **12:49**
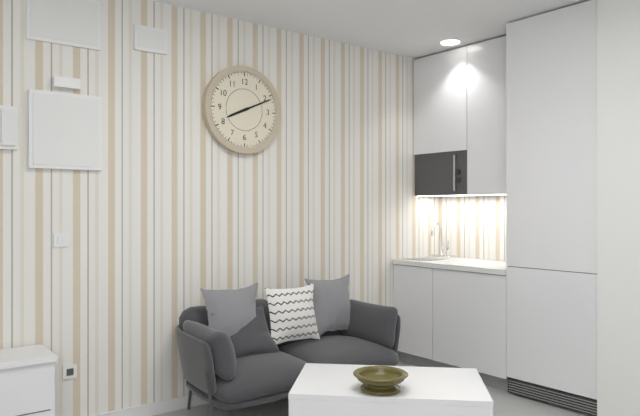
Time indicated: **8:11**
